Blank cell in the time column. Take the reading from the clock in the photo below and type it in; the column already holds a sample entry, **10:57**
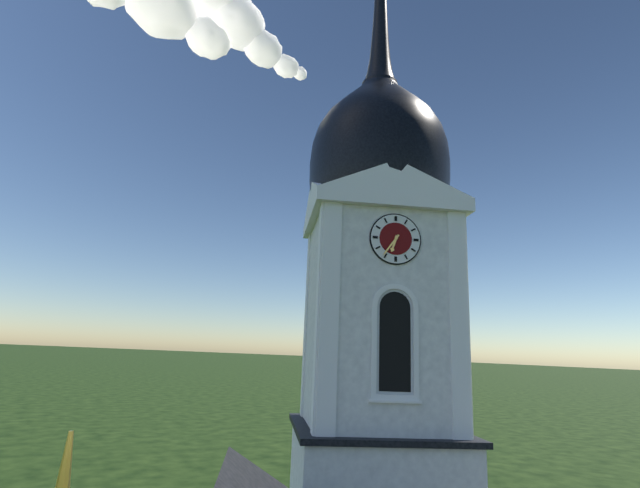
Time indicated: **6:36**
